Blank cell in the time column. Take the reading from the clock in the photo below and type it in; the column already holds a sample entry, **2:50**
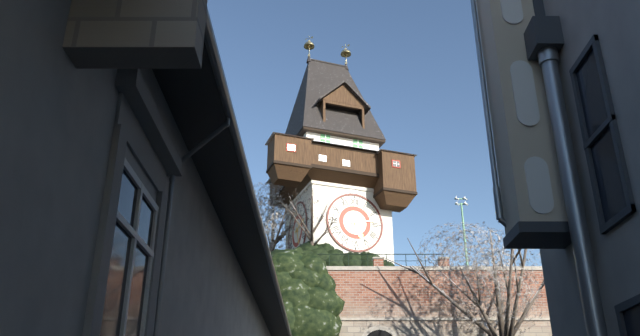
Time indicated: **5:13**
